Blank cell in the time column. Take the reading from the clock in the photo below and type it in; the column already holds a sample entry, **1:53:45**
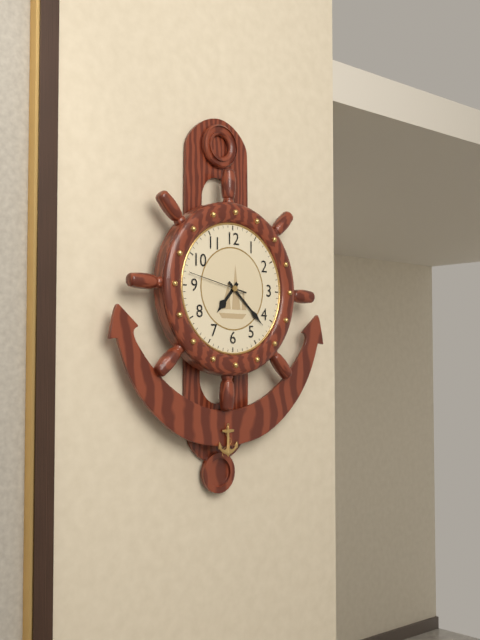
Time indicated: **7:22:47**
